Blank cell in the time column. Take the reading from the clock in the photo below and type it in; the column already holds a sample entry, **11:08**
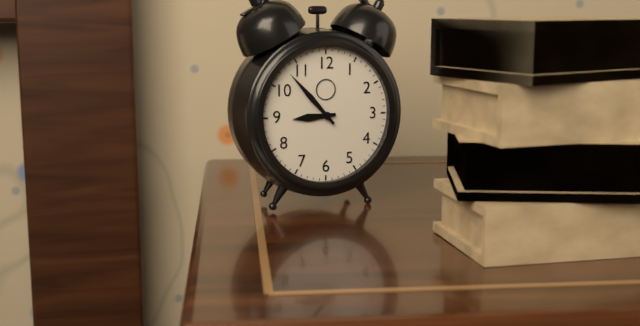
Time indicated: **8:53**
